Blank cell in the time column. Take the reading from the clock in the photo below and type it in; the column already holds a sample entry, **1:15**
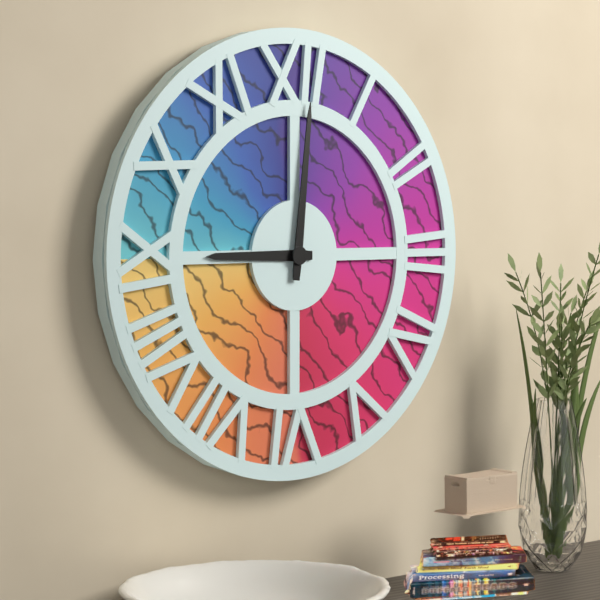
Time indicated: **9:01**
